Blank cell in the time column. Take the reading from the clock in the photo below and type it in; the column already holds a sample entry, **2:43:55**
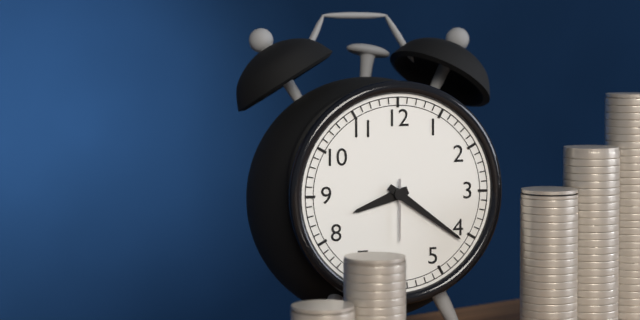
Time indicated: **8:21:30**
